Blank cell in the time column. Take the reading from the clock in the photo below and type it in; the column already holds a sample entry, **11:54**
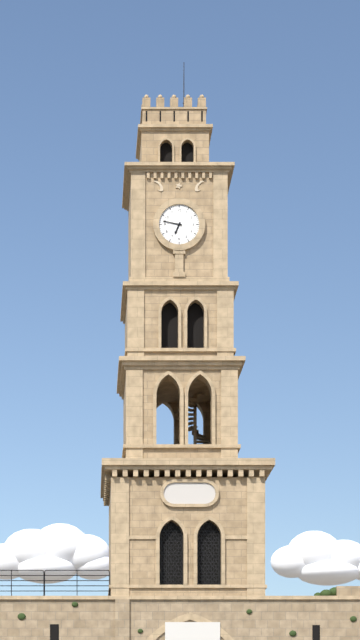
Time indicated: **6:47**
